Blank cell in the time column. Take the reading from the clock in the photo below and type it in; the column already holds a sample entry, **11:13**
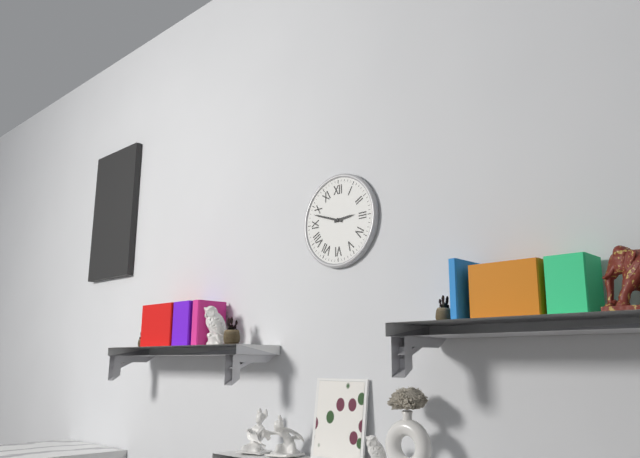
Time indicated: **2:48**
